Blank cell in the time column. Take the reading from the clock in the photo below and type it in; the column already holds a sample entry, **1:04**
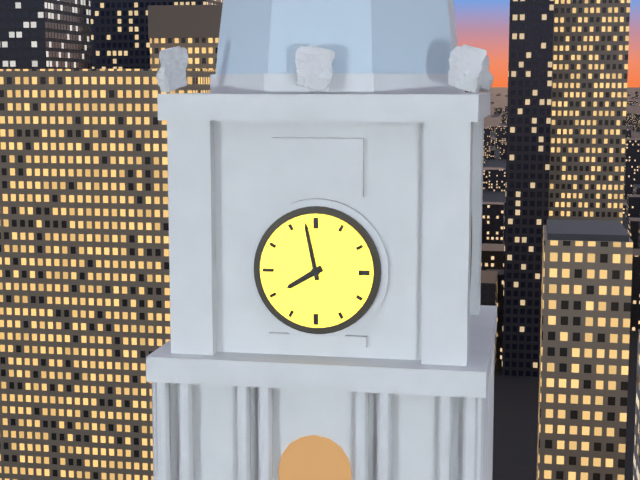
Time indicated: **7:58**
